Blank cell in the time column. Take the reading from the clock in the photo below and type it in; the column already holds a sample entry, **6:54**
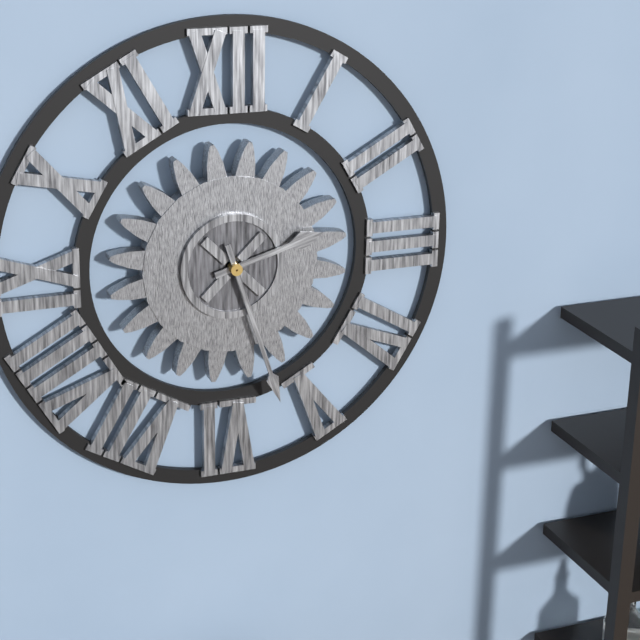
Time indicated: **2:27**
